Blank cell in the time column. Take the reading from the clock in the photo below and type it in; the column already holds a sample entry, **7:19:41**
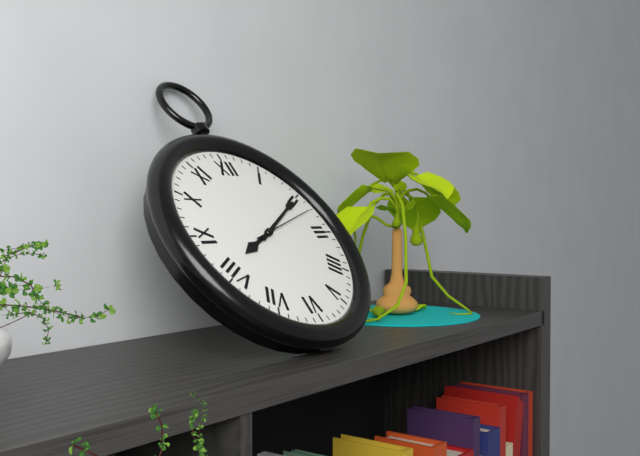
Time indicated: **8:10:12**
